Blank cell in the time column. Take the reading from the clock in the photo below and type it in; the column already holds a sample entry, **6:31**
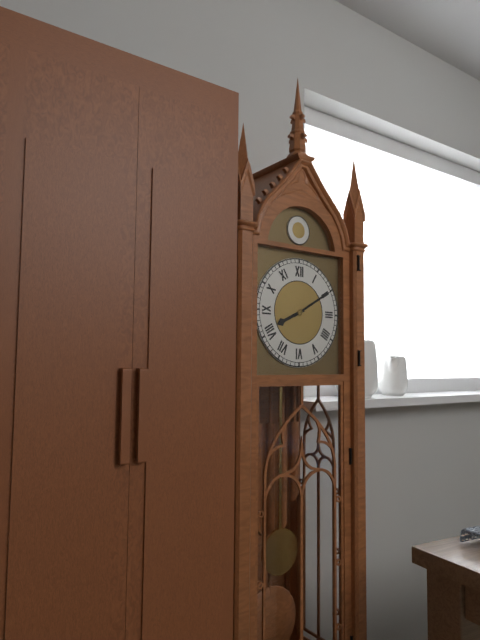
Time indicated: **8:10**
